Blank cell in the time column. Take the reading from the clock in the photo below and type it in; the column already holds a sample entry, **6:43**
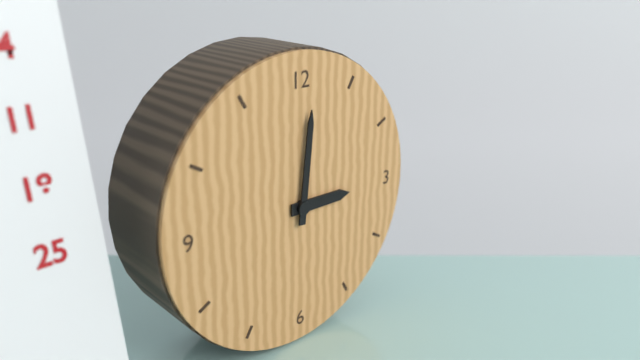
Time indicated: **3:01**
